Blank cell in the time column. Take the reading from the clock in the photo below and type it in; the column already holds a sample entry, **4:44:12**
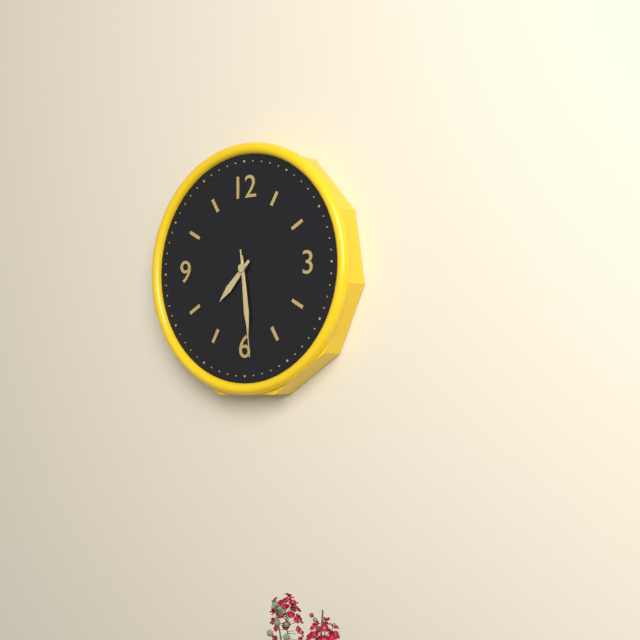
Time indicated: **7:29:29**
